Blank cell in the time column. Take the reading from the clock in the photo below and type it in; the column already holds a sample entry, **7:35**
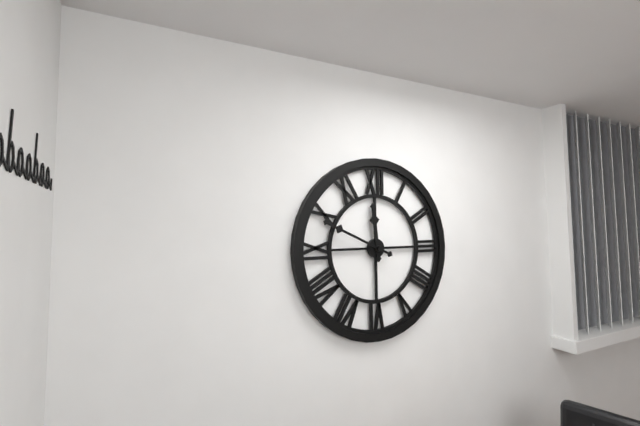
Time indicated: **11:49**
